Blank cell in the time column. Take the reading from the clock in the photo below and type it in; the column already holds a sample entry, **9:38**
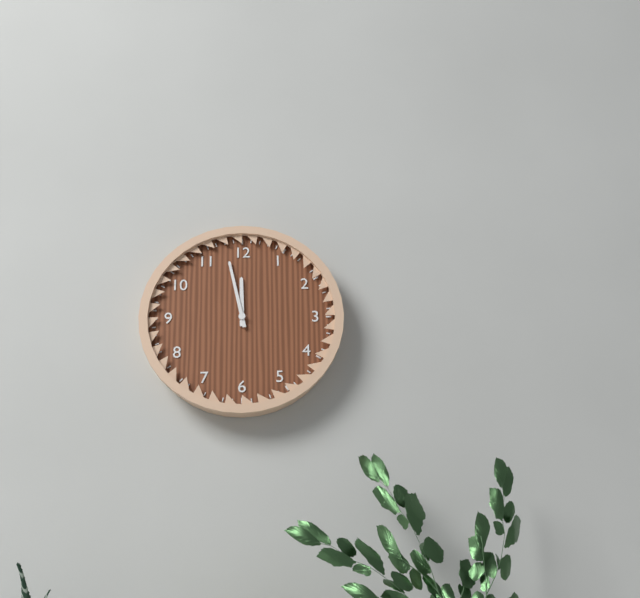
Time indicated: **11:58**
